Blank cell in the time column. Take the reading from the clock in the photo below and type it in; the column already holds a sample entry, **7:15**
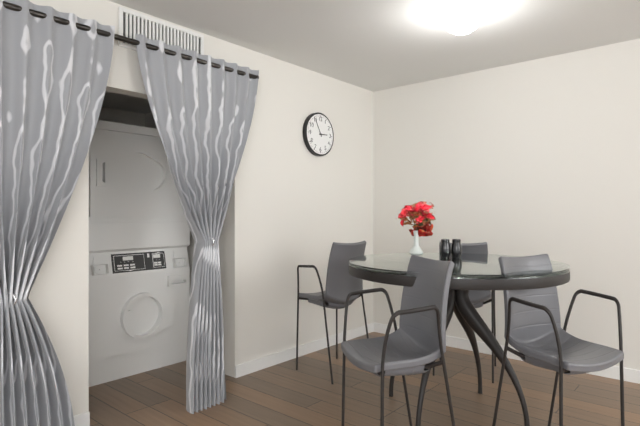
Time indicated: **2:55**
